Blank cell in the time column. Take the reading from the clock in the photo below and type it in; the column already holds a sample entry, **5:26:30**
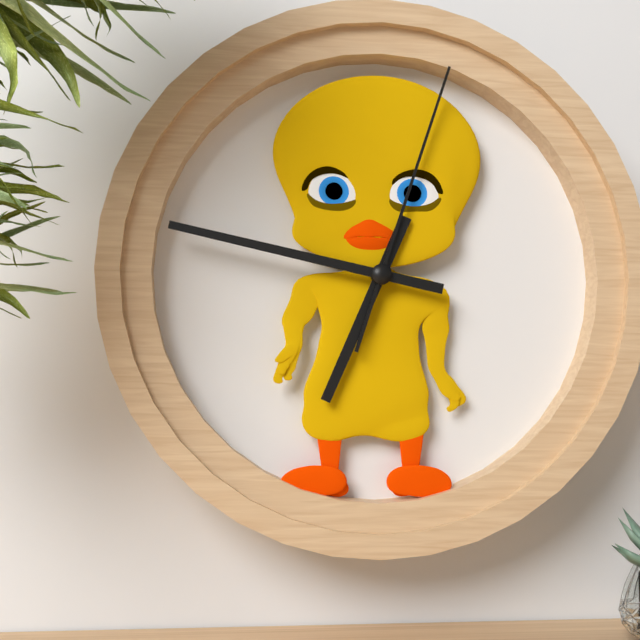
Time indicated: **6:47:03**
